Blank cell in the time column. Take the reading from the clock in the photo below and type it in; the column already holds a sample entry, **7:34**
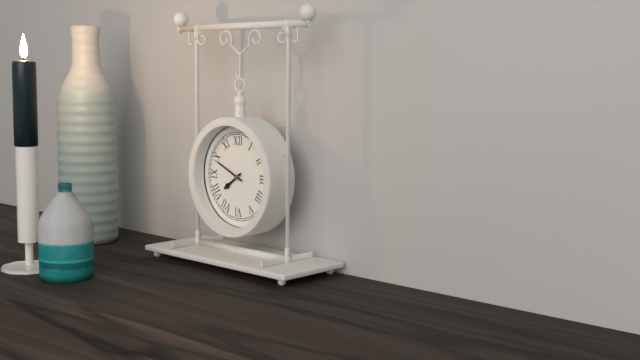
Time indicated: **7:49**
